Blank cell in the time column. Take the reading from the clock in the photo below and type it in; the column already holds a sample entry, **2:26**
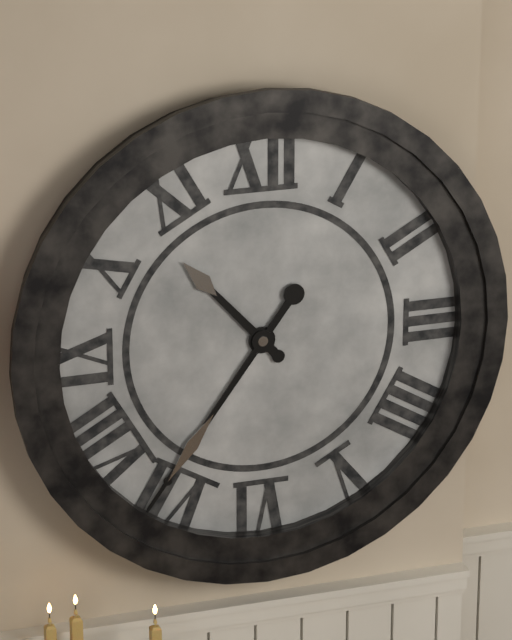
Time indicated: **10:36**
